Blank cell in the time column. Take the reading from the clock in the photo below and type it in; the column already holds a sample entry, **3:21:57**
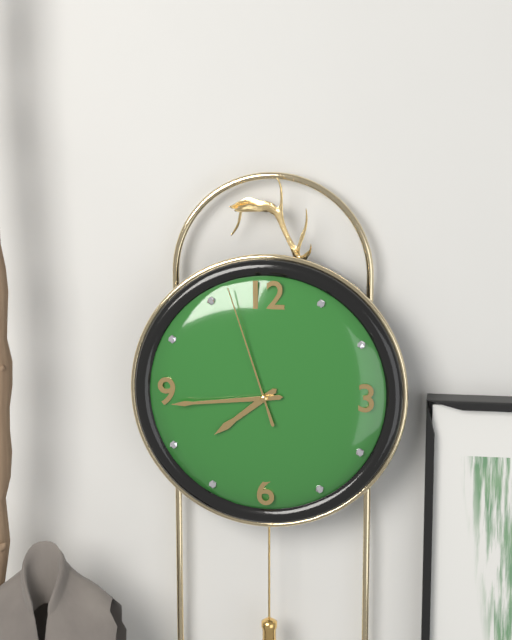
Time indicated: **7:44:57**
